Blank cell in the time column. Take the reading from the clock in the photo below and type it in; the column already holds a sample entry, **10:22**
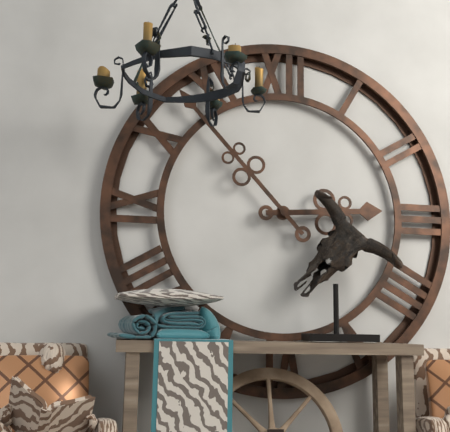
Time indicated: **2:53**
